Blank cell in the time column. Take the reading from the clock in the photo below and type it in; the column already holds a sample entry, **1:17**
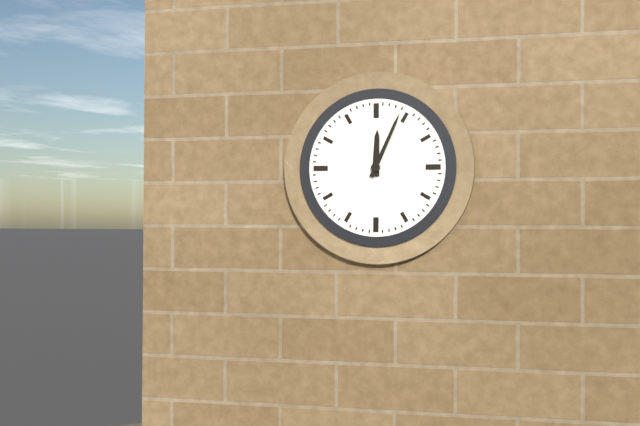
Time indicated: **12:04**
